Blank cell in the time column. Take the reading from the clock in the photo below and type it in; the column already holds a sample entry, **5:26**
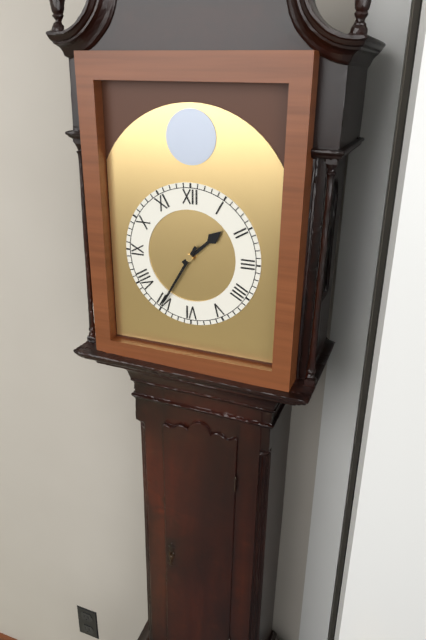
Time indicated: **1:35**
